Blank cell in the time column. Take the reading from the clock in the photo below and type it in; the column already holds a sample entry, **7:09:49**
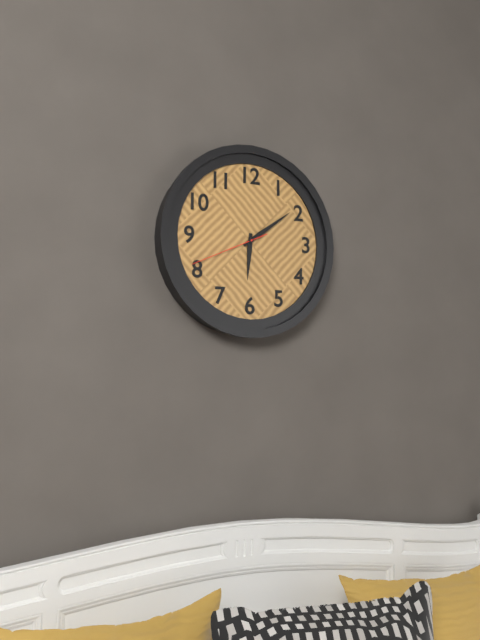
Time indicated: **6:09:41**
